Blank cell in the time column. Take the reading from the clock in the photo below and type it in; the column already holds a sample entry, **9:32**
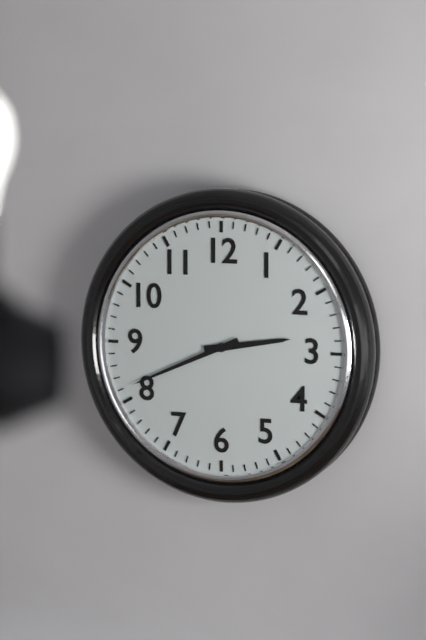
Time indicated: **2:41**
